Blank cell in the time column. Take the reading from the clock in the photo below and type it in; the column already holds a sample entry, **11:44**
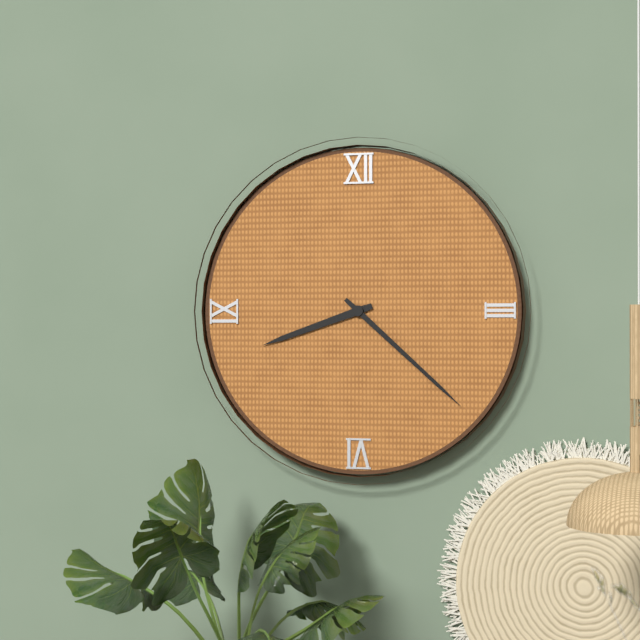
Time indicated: **8:22**
